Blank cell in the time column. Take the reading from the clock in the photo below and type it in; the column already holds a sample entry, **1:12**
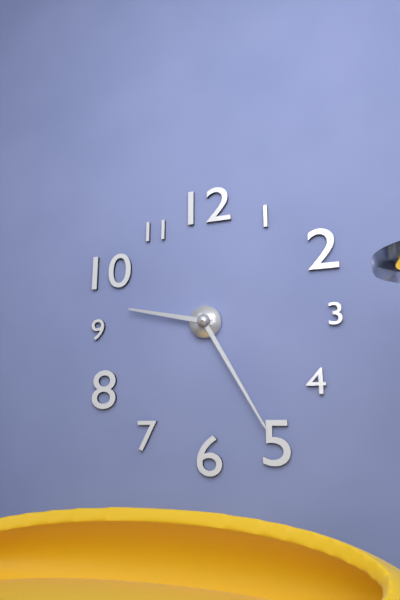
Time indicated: **9:25**
